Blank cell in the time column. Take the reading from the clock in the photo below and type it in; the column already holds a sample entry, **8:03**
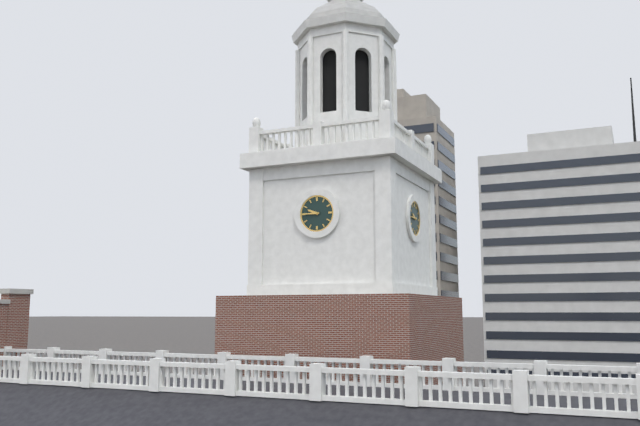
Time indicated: **9:45**
